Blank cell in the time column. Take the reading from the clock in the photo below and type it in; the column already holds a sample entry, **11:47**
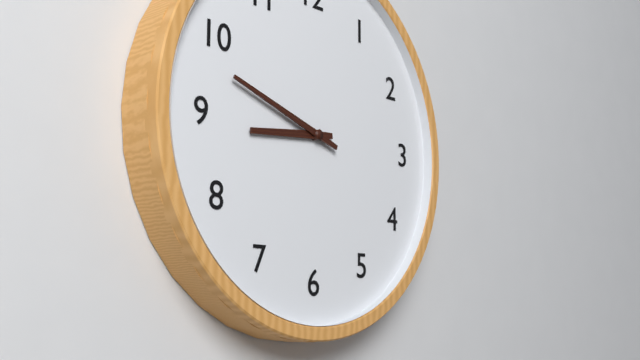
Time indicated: **8:48**
